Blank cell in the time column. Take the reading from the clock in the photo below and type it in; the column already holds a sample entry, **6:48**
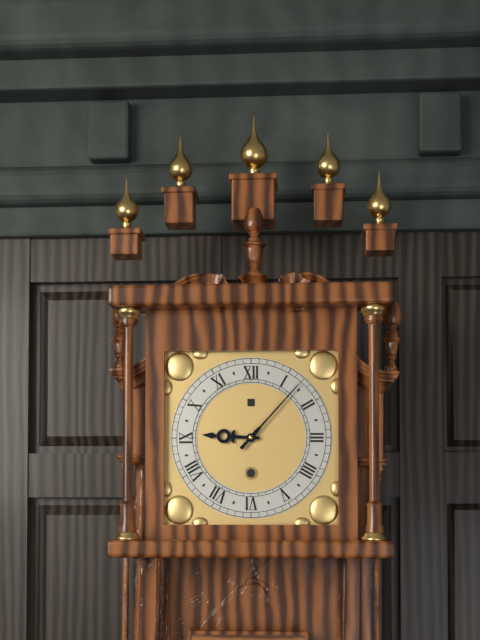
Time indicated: **9:07**
